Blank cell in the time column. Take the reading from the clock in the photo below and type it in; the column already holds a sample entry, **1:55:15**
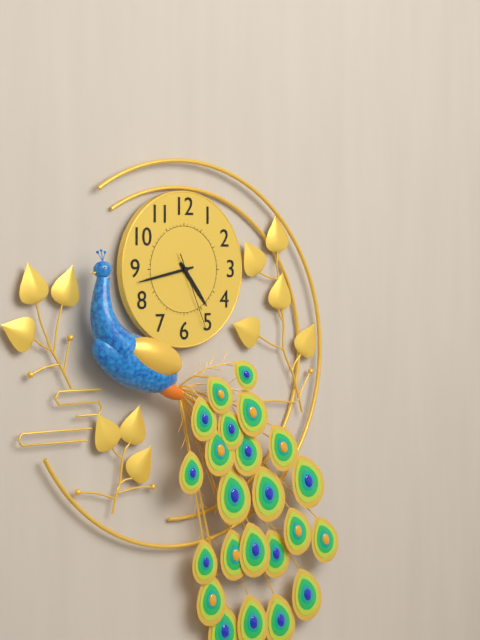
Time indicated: **4:43:26**
